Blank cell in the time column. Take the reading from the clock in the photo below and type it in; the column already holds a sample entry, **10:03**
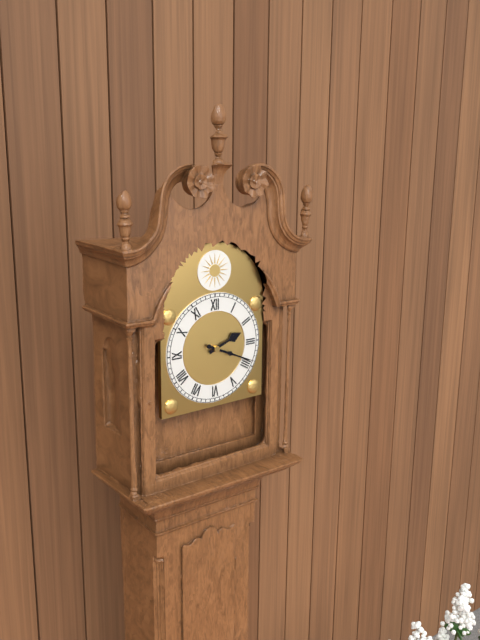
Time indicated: **2:19**
